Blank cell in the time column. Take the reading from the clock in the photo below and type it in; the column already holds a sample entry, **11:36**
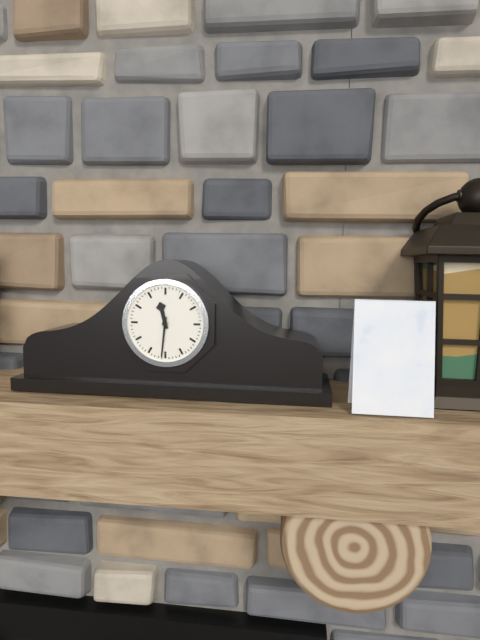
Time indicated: **11:31**
